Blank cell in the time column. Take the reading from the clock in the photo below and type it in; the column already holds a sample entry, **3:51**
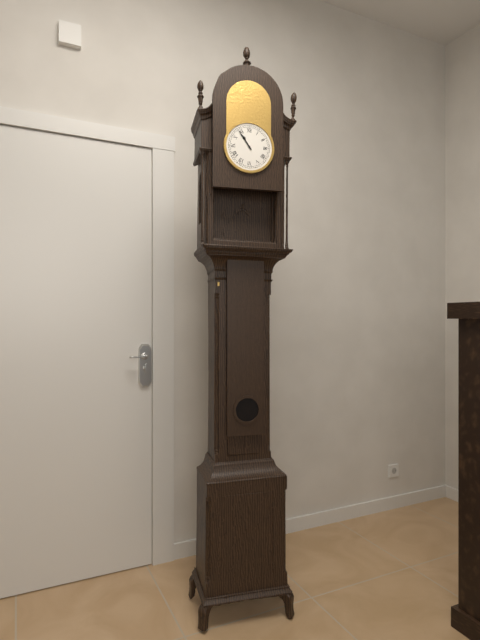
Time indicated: **10:54**
